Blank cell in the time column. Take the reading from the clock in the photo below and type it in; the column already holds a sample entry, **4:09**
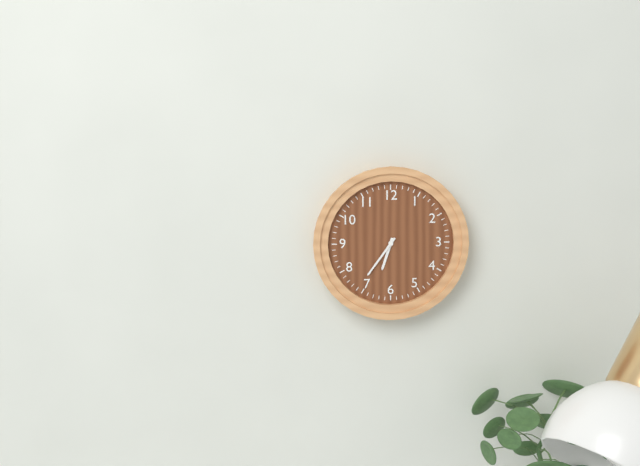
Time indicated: **6:36**
